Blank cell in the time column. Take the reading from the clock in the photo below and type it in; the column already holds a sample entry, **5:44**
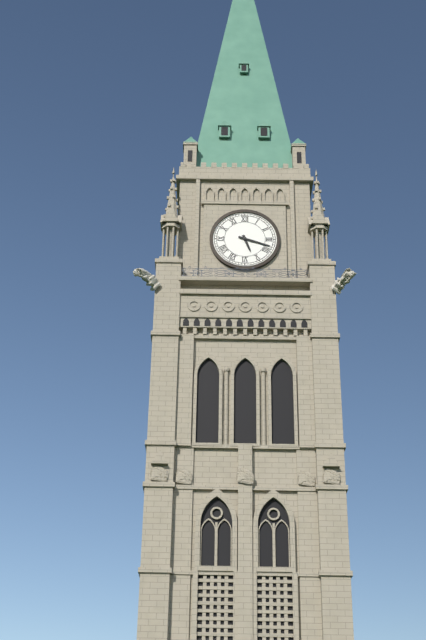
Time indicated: **5:18**
